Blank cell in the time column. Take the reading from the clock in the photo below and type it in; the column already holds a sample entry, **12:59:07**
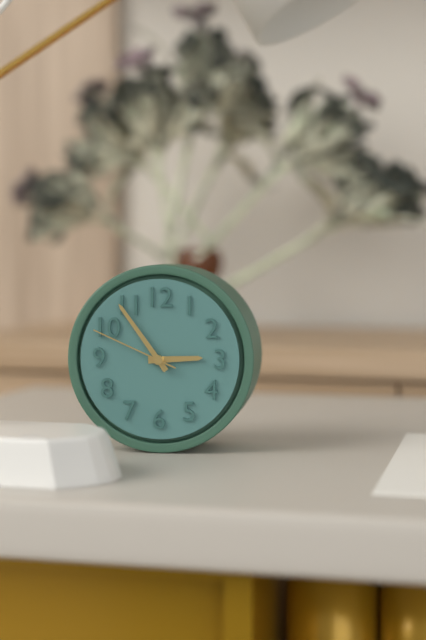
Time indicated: **2:54:49**
